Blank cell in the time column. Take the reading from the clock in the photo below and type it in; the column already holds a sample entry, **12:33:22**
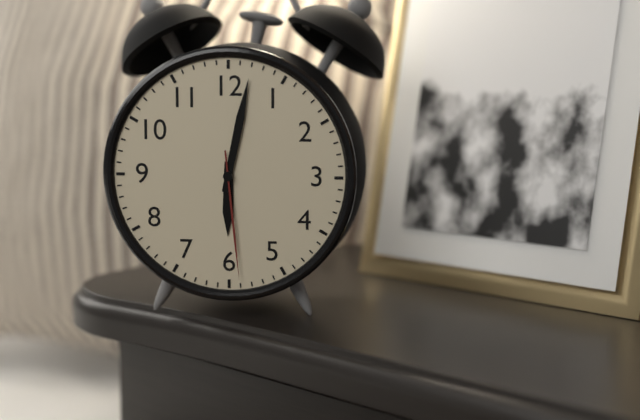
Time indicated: **6:02:29**
